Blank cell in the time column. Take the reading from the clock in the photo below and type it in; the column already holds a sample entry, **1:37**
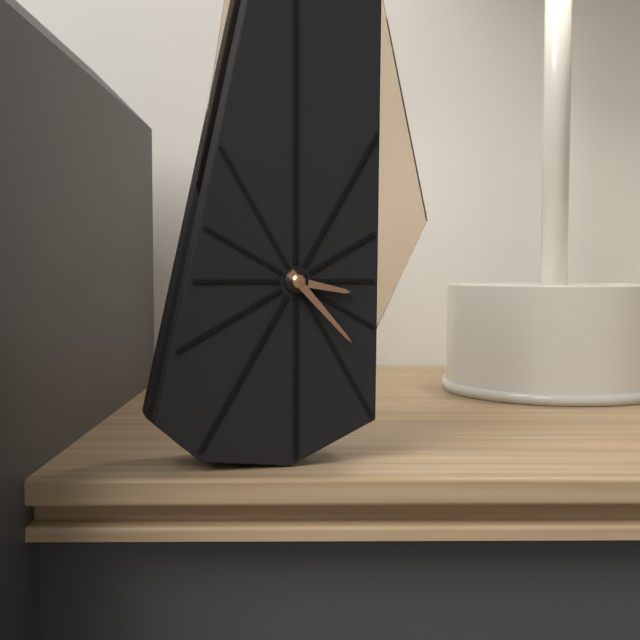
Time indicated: **3:23**
